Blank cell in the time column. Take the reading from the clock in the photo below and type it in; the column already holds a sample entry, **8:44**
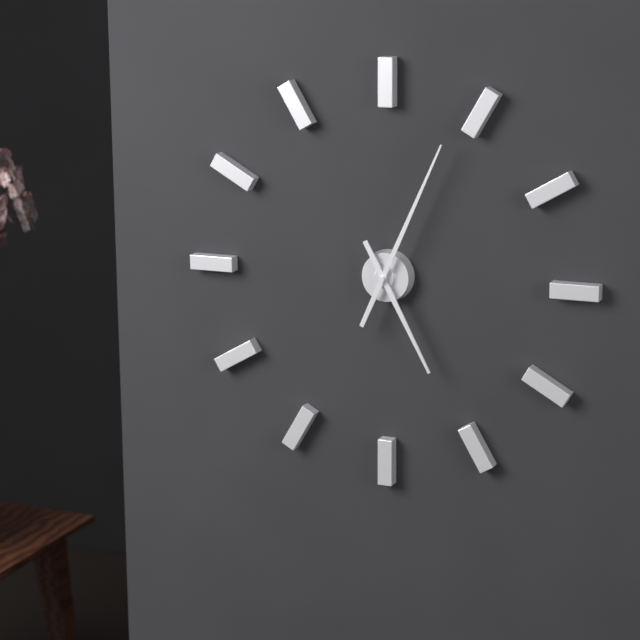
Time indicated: **5:04**
